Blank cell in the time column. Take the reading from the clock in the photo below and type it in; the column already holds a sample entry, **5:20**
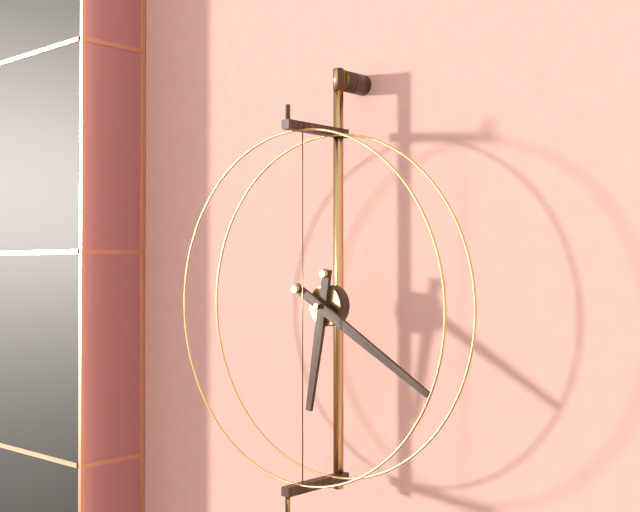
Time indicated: **6:20**
